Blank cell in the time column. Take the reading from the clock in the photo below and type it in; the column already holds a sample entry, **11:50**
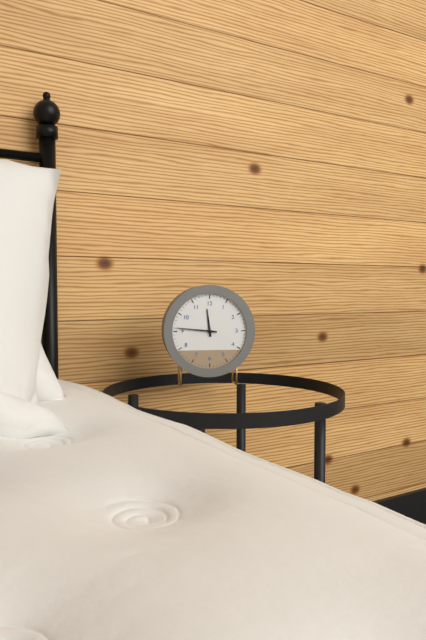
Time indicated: **11:46**
